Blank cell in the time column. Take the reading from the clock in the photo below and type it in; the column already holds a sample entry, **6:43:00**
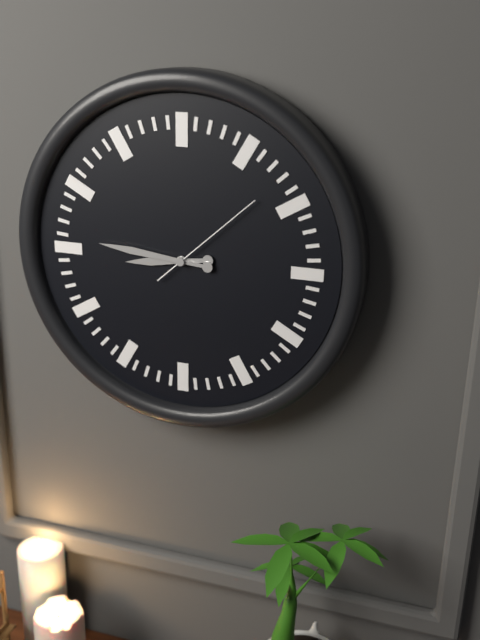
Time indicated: **8:46:08**
